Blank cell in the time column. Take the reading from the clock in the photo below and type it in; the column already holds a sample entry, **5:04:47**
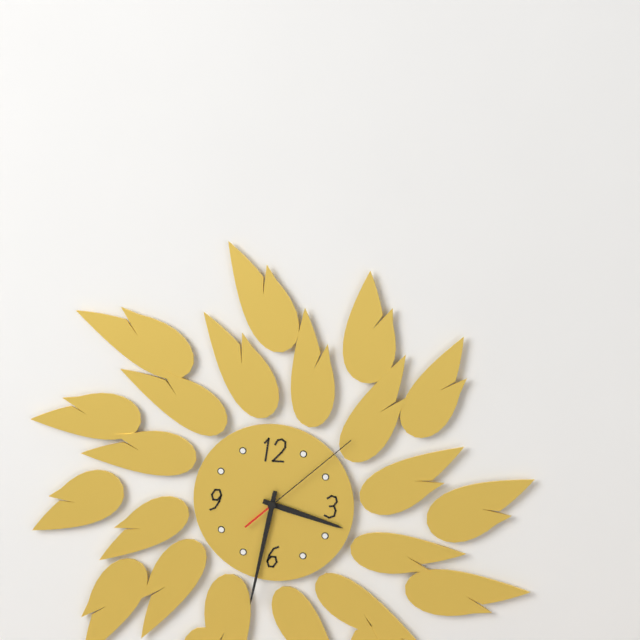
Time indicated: **3:32:08**
